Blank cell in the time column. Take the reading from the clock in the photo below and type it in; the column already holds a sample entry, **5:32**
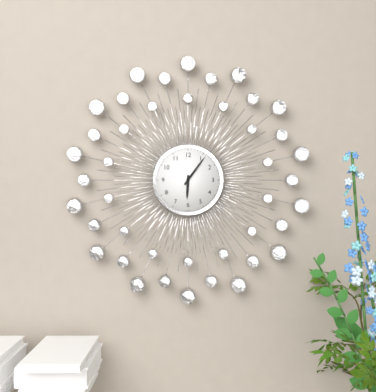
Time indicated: **6:06**
